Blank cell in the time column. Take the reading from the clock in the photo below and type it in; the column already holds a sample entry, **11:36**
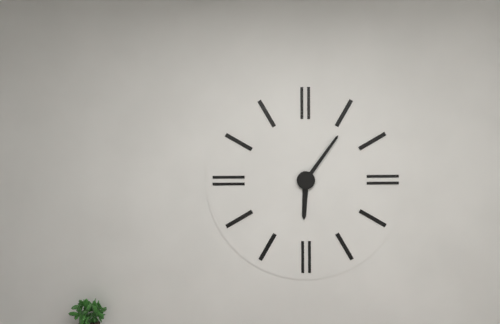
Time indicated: **6:06**
